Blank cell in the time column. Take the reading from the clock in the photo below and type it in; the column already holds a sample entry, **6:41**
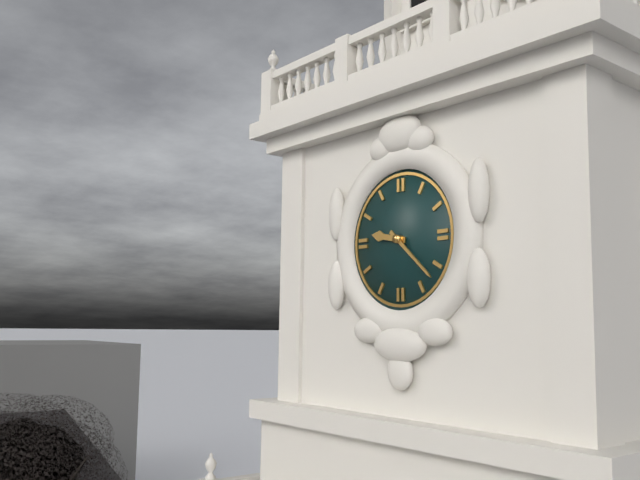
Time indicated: **9:22**
